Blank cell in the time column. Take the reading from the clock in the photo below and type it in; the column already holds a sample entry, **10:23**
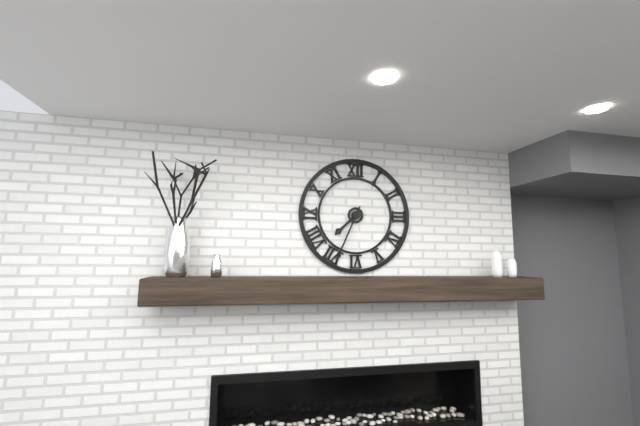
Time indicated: **7:34**
